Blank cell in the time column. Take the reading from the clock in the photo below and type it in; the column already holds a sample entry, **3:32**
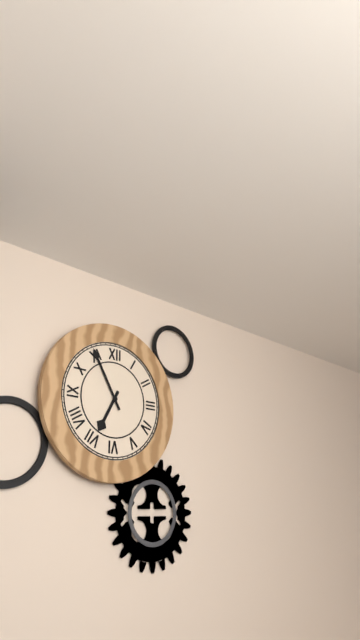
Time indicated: **6:55**
